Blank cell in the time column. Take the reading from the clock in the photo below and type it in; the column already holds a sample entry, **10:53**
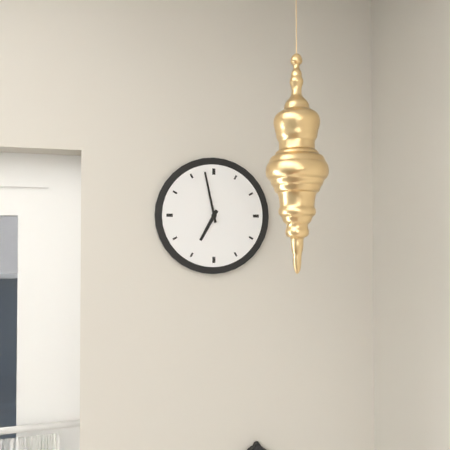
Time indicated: **6:58**
